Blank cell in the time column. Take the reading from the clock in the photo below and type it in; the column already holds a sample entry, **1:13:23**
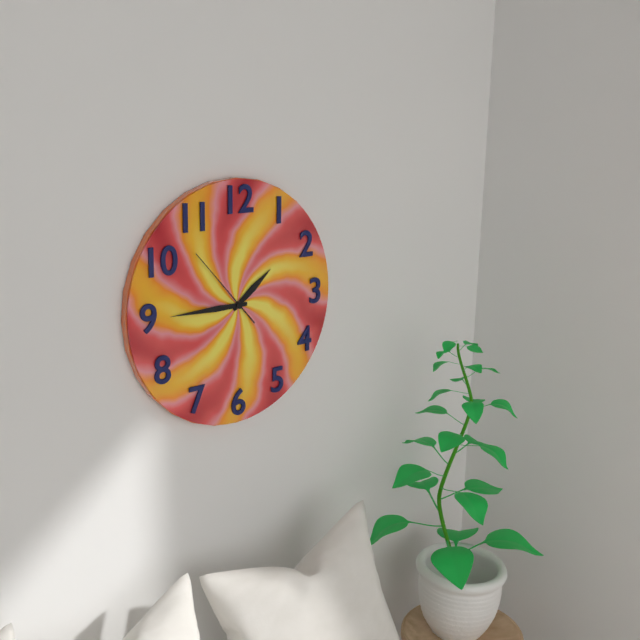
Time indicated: **1:45:53**
